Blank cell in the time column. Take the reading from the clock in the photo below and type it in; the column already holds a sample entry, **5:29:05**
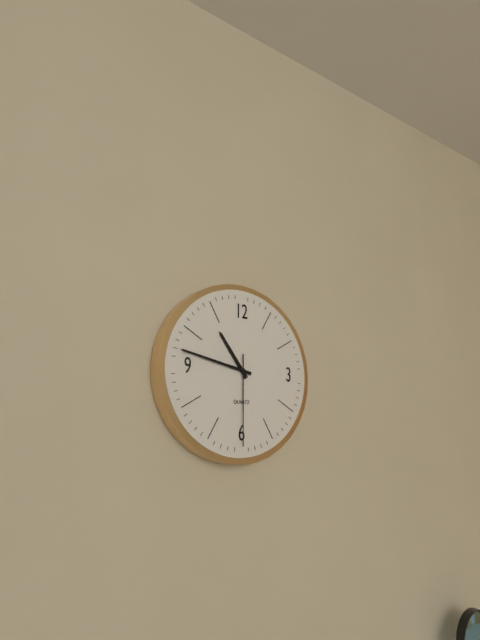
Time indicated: **10:47:30**
